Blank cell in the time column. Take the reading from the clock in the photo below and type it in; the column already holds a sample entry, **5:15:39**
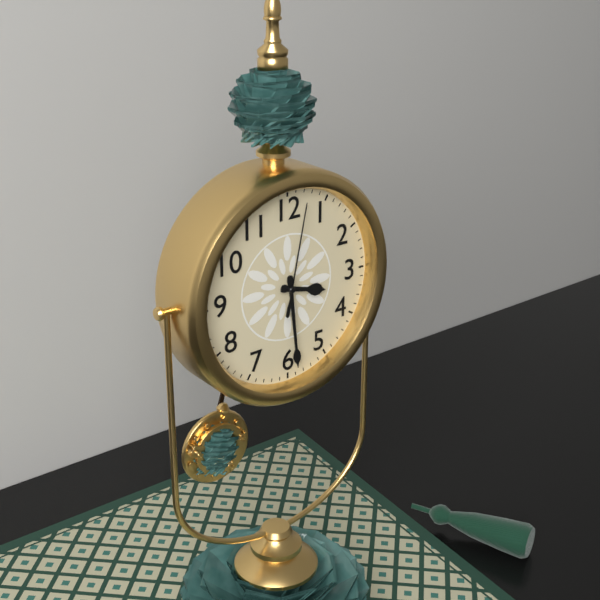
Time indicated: **3:29:02**
